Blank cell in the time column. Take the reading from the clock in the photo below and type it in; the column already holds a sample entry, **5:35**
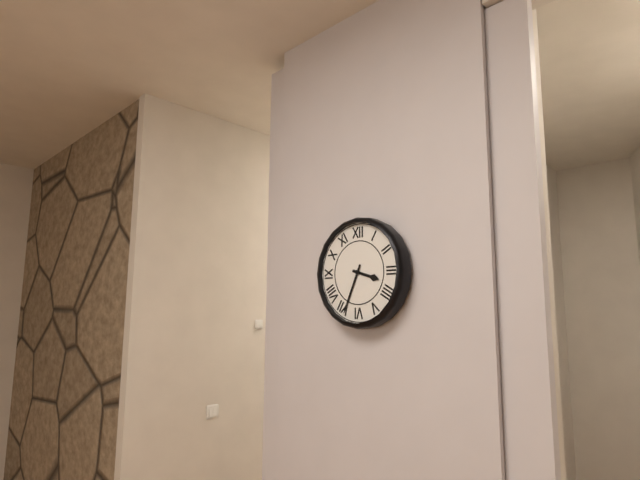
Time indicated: **3:34**
